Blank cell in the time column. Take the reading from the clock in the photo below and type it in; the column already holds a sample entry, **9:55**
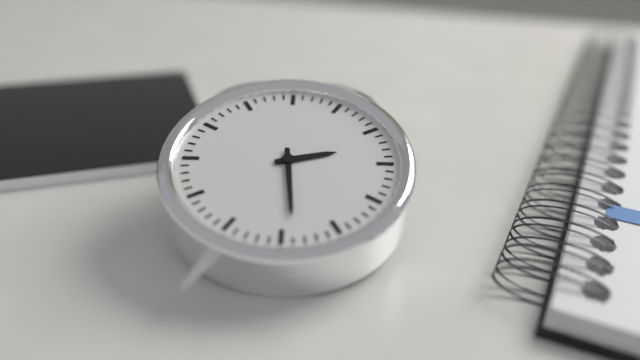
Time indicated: **2:29**
